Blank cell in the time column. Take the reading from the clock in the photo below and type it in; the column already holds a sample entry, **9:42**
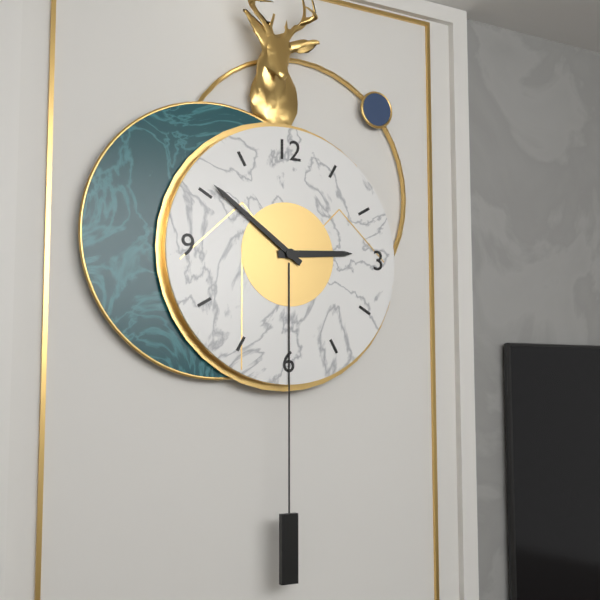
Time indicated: **2:51**
